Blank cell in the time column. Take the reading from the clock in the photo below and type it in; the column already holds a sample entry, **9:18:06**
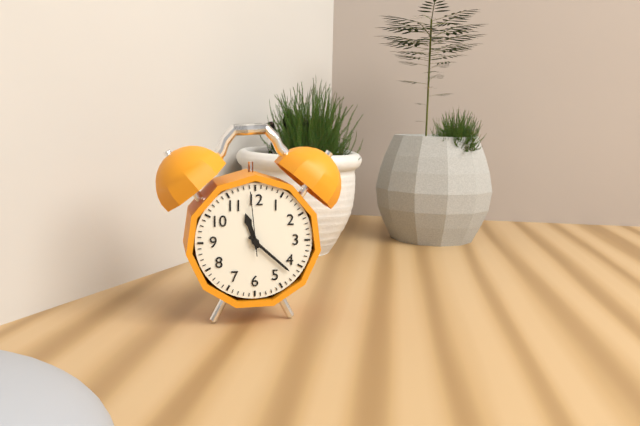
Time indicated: **11:22:59**
